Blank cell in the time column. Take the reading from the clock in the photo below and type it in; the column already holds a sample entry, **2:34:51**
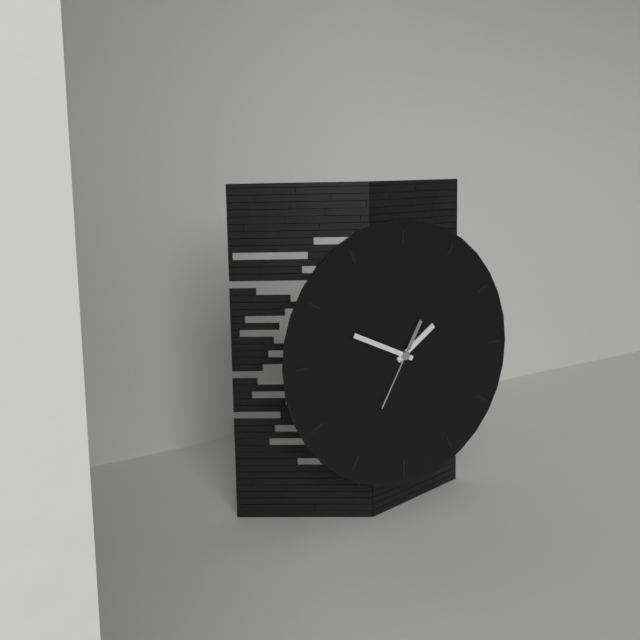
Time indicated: **1:49:35**
